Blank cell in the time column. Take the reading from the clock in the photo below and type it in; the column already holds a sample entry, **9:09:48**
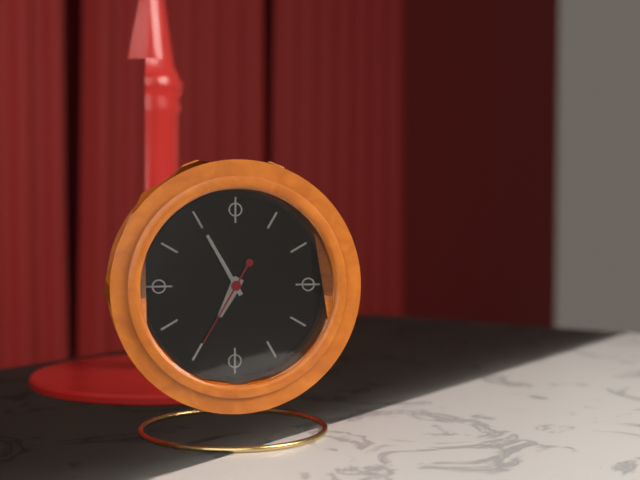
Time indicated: **6:55:35**
